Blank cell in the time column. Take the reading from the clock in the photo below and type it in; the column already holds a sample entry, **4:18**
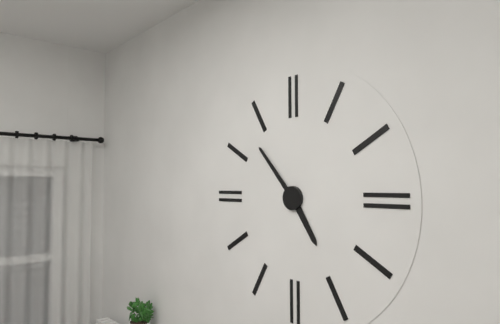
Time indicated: **4:53**
